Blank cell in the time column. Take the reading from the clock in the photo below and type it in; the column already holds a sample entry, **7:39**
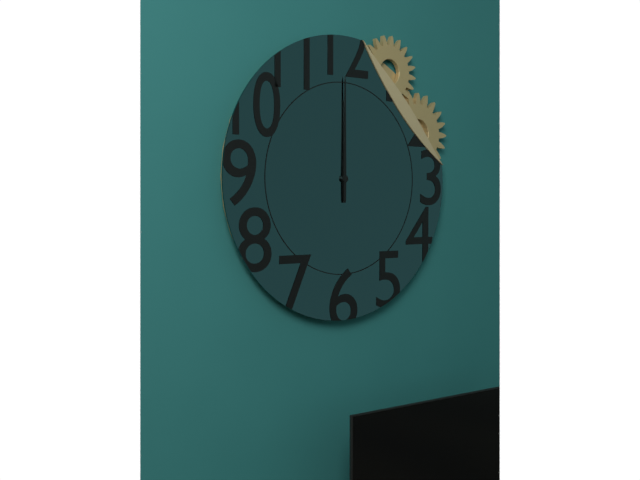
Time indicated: **12:00**
